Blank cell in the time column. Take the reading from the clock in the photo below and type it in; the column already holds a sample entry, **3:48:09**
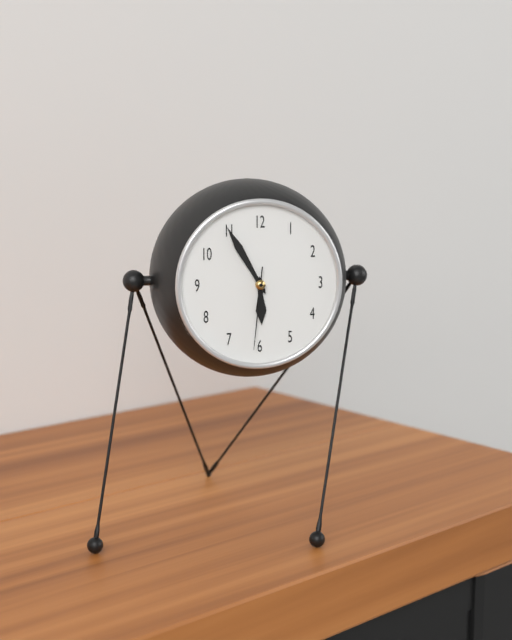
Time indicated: **5:55:31**
